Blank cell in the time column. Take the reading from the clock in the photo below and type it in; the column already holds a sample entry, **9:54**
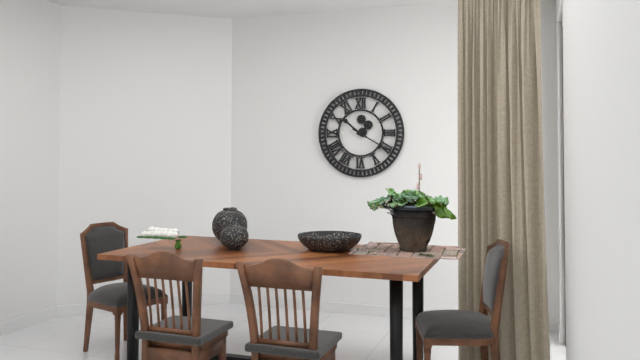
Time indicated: **10:20**
